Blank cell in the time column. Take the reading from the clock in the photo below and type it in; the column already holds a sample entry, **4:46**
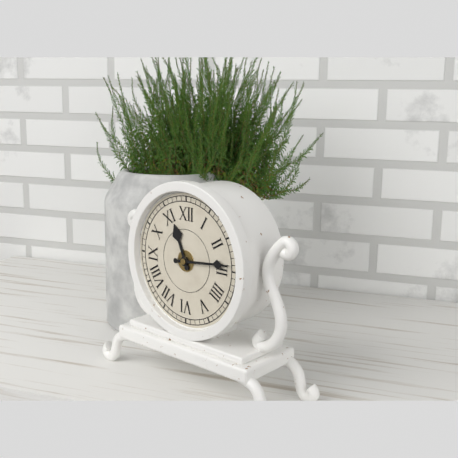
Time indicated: **11:14**
